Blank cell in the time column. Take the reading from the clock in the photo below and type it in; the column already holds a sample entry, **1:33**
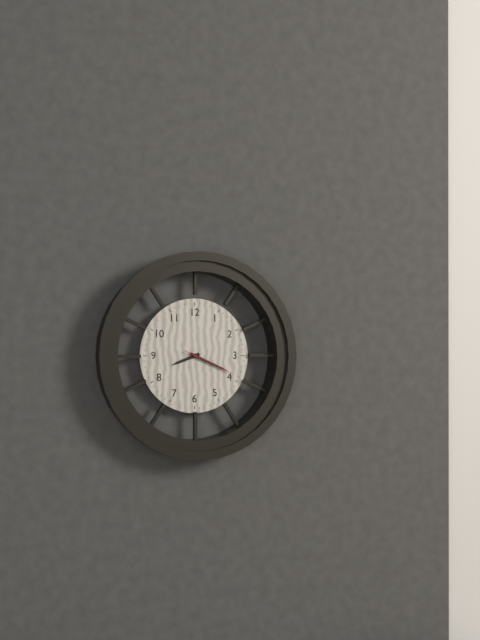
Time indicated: **8:19**
